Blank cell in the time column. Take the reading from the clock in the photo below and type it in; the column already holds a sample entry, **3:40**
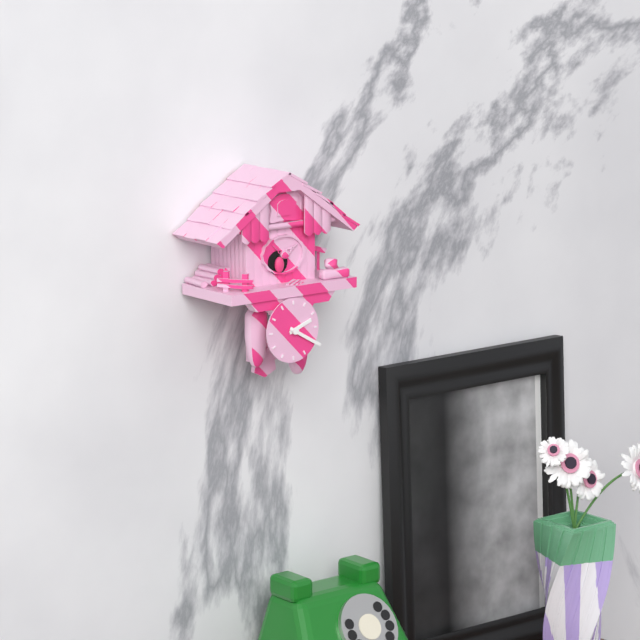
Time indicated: **2:20**
